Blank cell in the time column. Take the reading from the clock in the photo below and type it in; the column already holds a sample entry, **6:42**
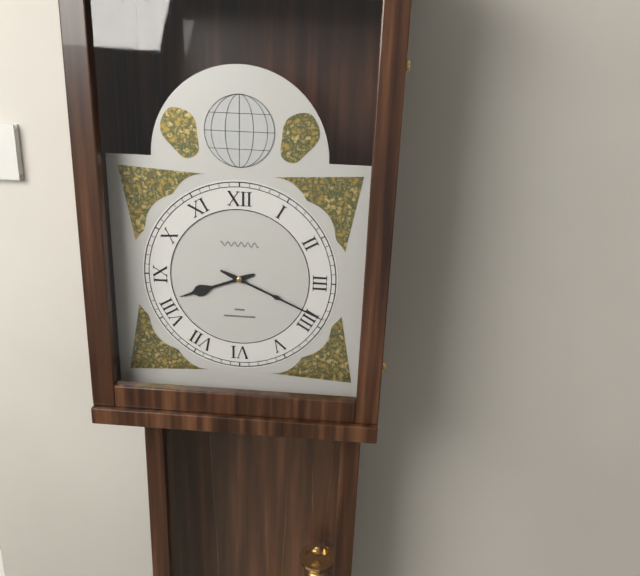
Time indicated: **8:19**
